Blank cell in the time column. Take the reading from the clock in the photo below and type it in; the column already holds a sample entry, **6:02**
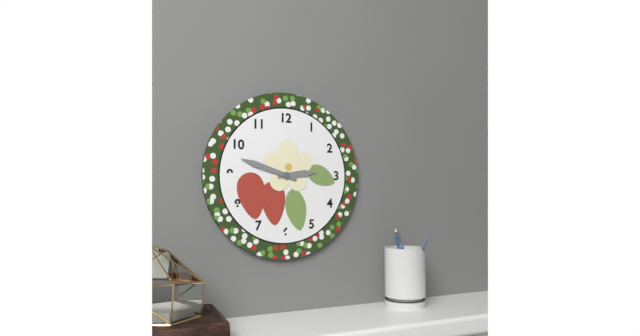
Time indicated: **2:48**
